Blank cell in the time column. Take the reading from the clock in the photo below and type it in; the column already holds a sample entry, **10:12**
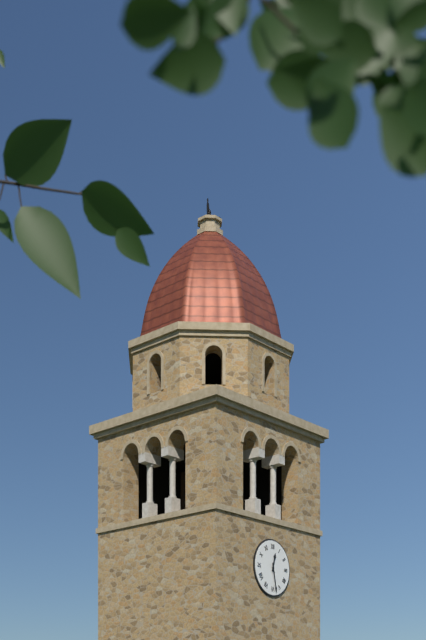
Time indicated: **12:28**
